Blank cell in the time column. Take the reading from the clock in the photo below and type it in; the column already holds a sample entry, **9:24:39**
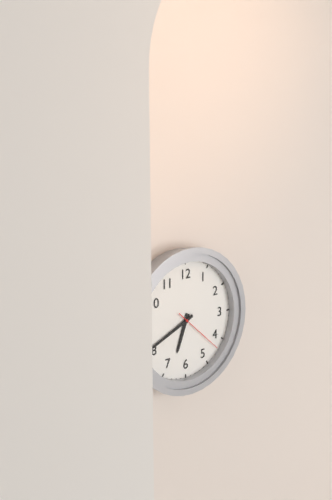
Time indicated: **6:41:22**
